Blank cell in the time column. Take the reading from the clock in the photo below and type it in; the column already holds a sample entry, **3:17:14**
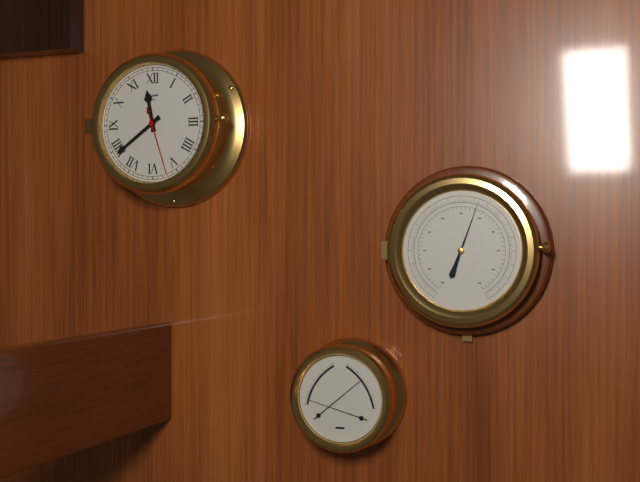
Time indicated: **11:39:27**
